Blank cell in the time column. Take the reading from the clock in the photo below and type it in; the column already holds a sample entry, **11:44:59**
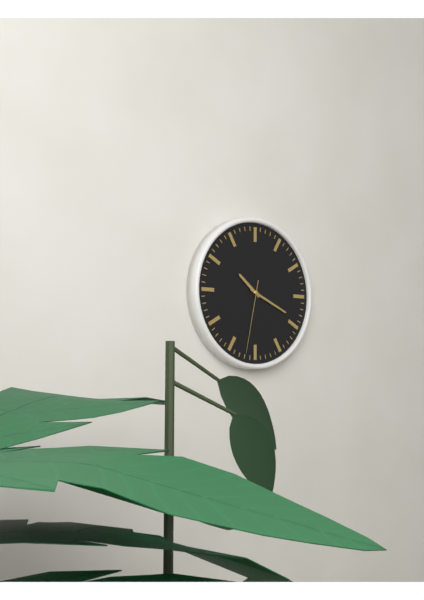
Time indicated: **10:19:32**
